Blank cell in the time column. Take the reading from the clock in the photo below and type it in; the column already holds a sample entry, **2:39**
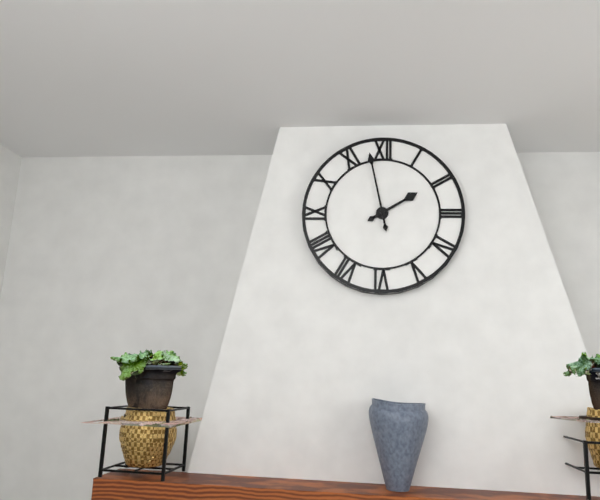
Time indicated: **1:58**
